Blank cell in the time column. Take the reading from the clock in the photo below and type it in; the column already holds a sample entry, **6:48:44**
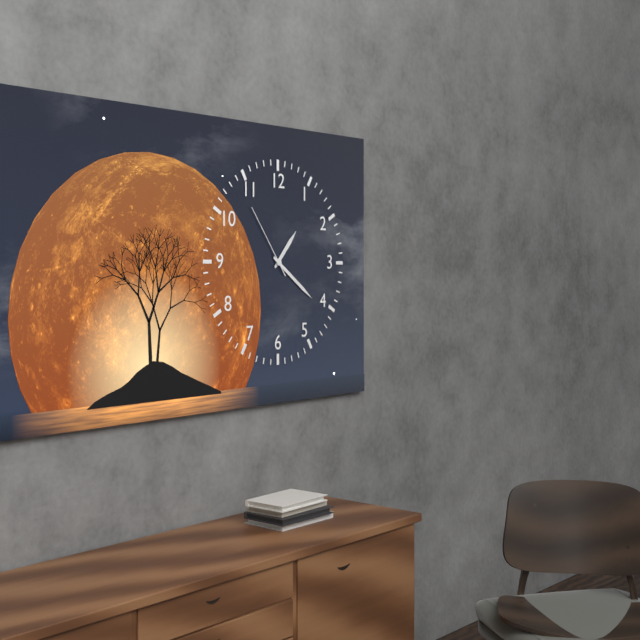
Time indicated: **1:21:54**
